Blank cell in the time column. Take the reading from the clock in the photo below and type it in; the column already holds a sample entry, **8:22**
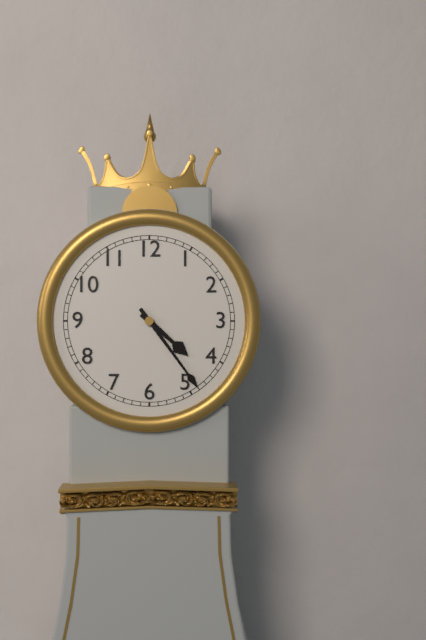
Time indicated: **4:24**
